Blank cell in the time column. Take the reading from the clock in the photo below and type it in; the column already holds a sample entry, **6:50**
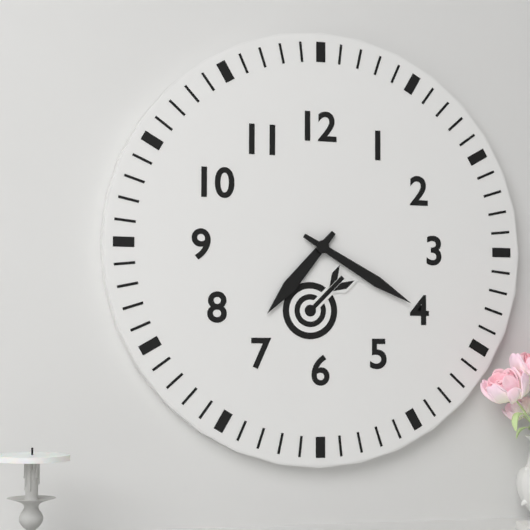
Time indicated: **7:20**
